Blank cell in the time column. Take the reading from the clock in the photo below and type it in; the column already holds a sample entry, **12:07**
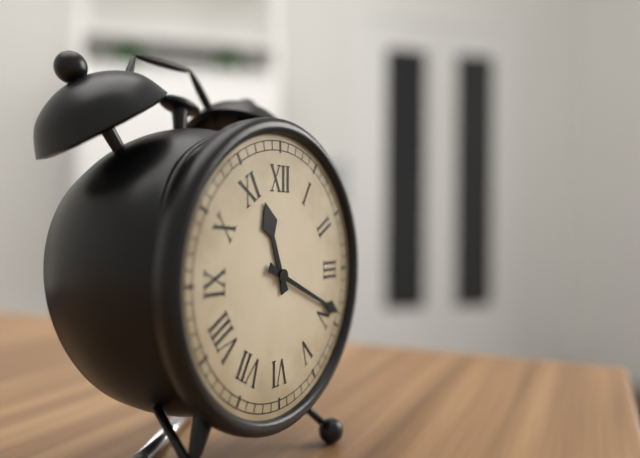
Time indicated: **11:19**
